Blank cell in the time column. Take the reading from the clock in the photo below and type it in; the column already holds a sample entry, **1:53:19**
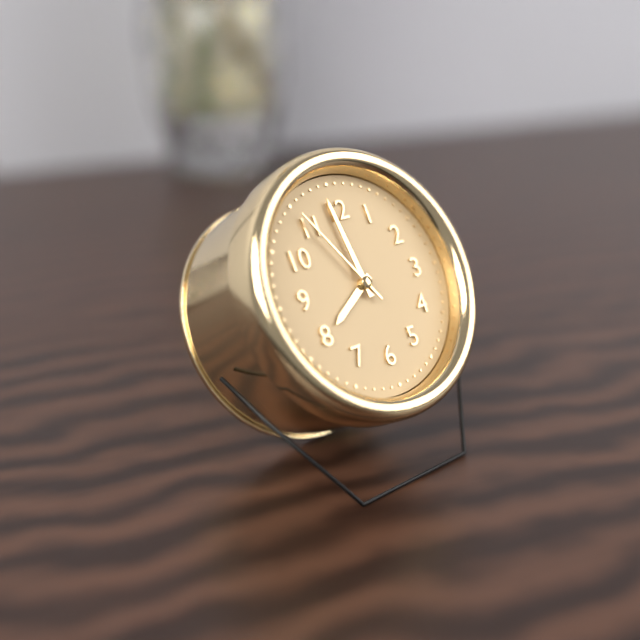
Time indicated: **7:59:55**
